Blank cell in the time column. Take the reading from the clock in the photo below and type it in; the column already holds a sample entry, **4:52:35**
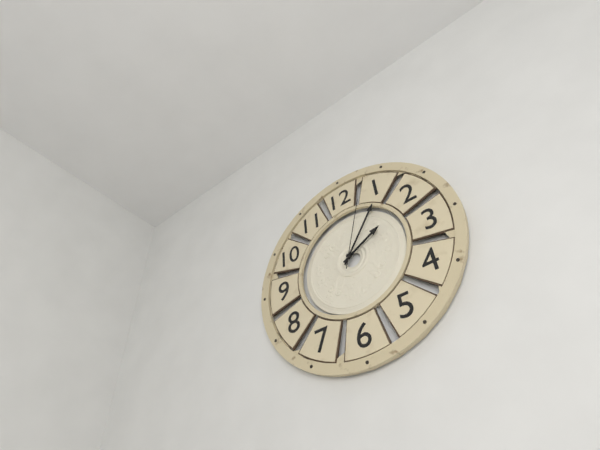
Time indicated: **2:06:03**
